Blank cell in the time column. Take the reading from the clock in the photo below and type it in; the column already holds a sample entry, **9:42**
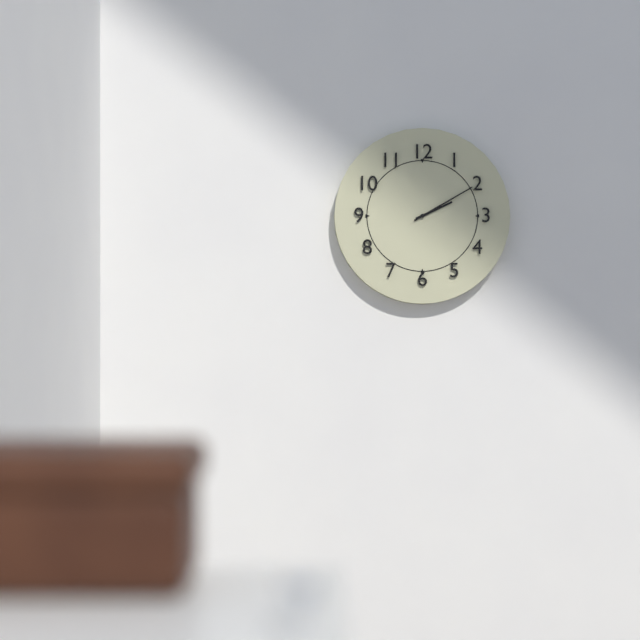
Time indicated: **2:10**
